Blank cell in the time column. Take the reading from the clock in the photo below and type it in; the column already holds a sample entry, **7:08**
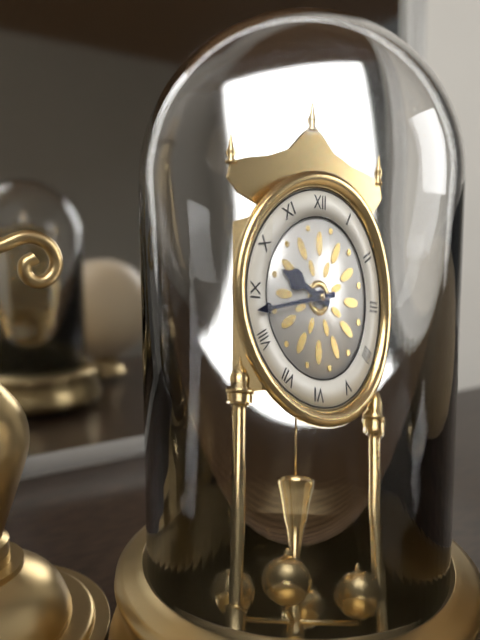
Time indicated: **9:43**
